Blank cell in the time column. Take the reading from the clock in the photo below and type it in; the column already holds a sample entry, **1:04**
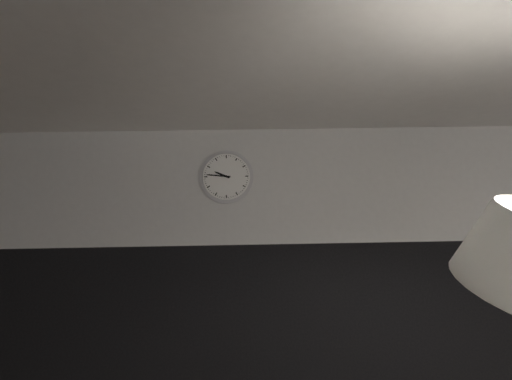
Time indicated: **9:46**
